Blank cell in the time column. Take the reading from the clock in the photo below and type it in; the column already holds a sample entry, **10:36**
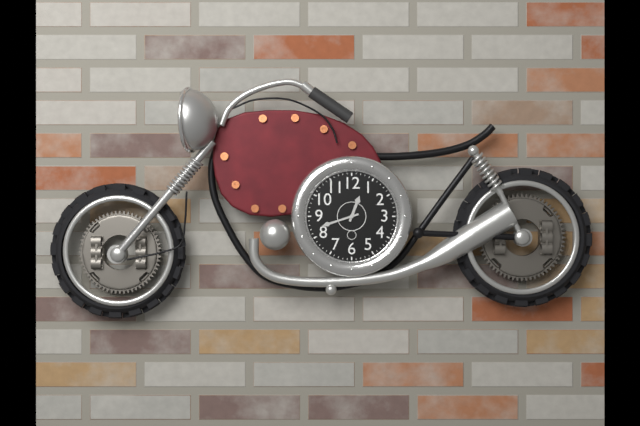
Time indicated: **12:42**
